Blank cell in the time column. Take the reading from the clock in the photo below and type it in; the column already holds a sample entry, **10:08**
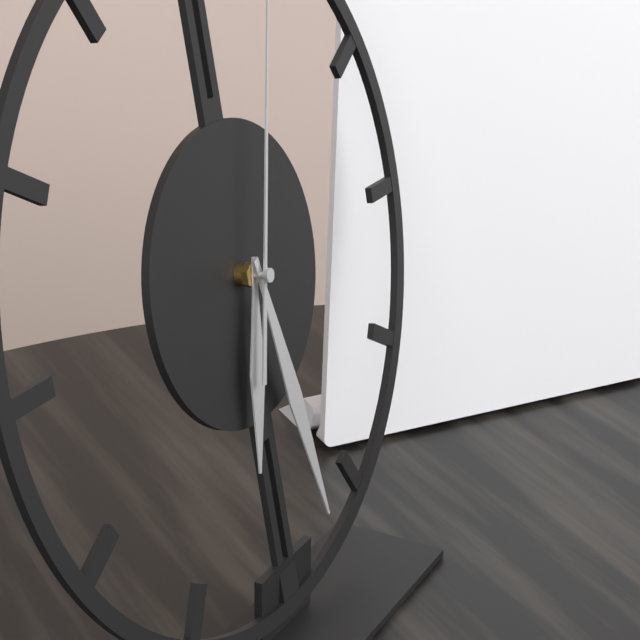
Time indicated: **6:28**
